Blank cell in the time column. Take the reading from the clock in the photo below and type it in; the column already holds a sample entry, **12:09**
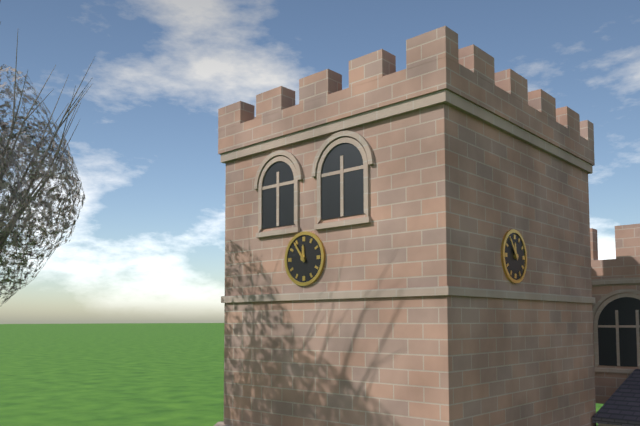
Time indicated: **11:54**
